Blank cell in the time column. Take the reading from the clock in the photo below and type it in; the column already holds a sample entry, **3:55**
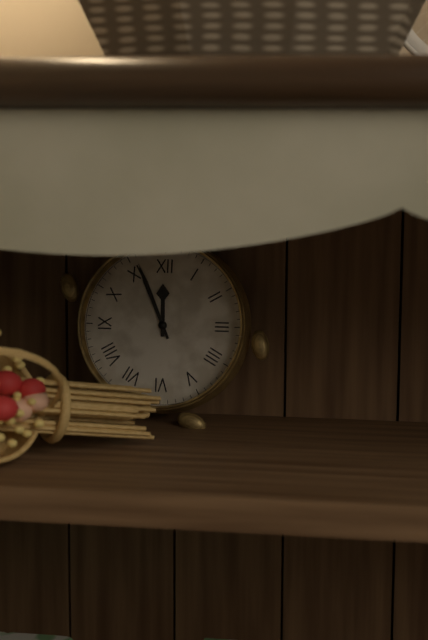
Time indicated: **11:56**
